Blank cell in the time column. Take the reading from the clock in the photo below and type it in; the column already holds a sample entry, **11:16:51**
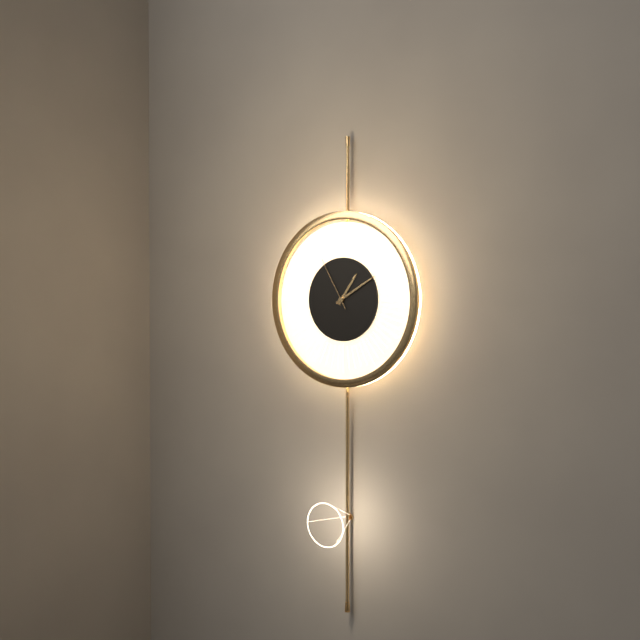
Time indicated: **1:10:55**
